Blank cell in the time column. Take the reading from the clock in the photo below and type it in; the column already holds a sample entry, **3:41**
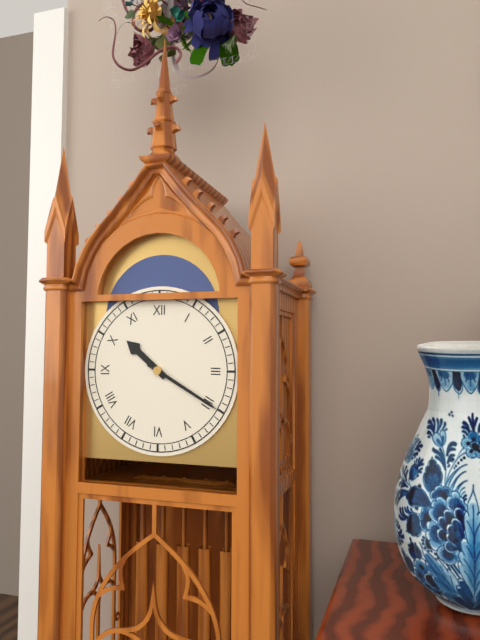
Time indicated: **10:20**
